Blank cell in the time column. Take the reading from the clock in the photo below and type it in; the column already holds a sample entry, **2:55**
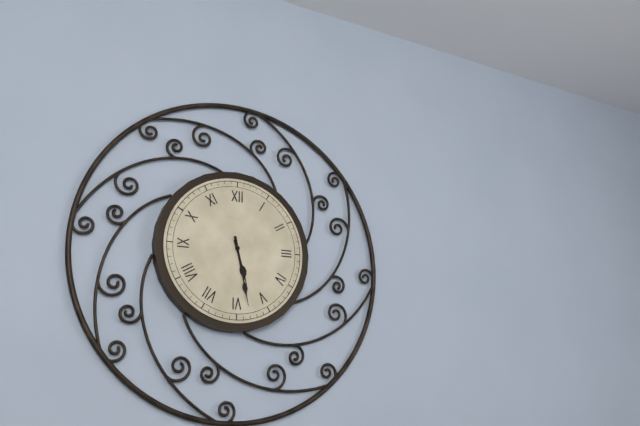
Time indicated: **5:28**
